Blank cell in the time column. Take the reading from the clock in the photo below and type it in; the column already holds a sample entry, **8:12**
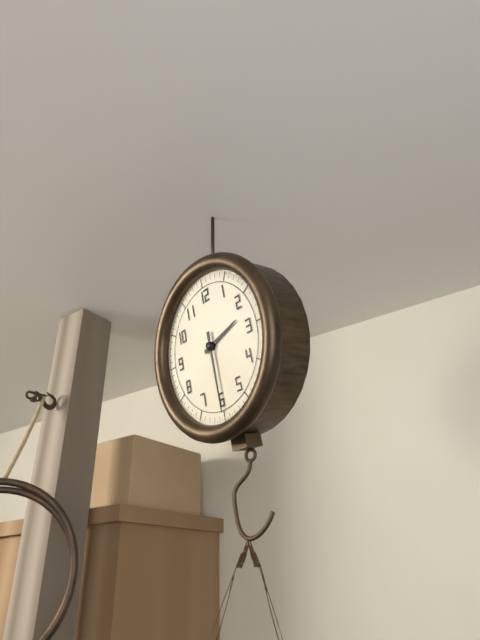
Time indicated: **2:30**
